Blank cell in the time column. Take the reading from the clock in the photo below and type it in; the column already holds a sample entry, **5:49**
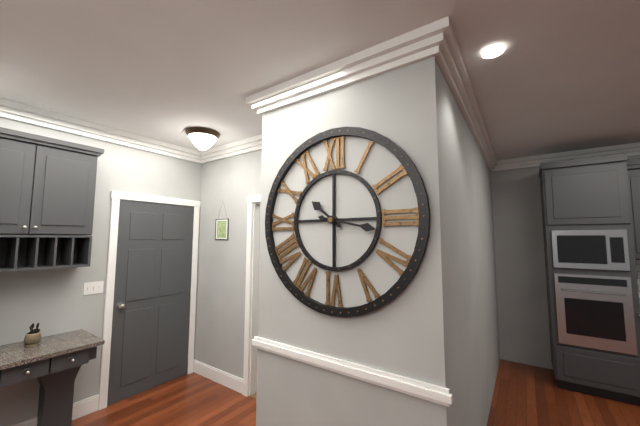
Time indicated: **10:17**
